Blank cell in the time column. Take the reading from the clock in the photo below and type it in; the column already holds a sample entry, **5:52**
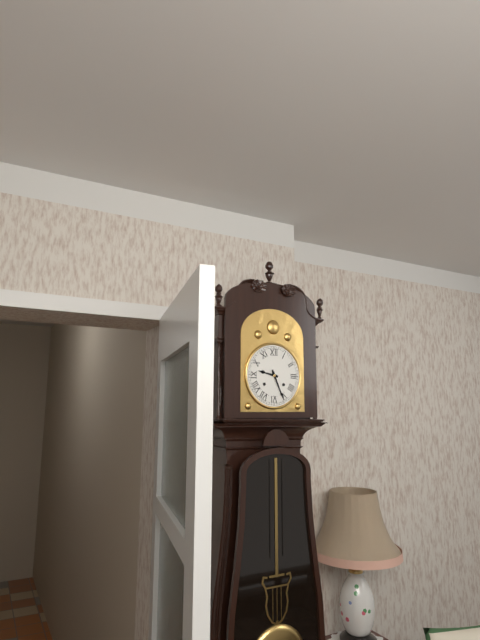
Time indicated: **9:26**
